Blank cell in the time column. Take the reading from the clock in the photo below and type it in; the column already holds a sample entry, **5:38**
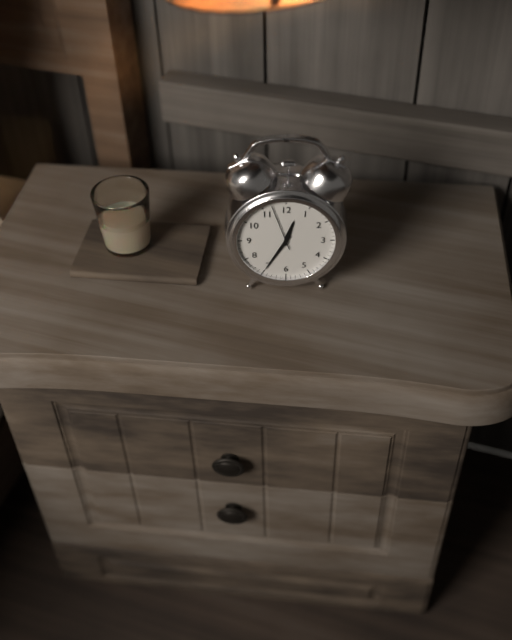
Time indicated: **12:35**
